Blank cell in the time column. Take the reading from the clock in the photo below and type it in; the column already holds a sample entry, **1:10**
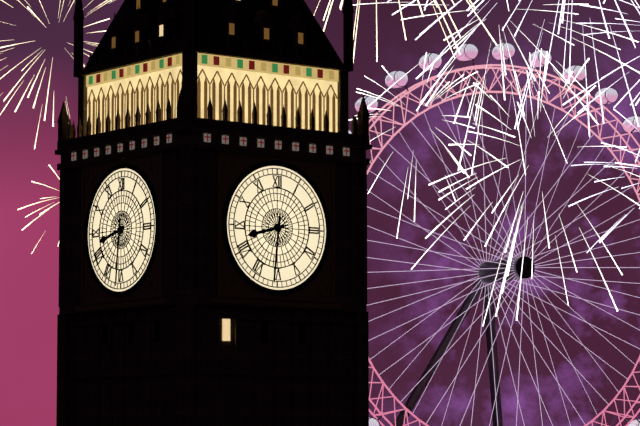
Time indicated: **8:31**
